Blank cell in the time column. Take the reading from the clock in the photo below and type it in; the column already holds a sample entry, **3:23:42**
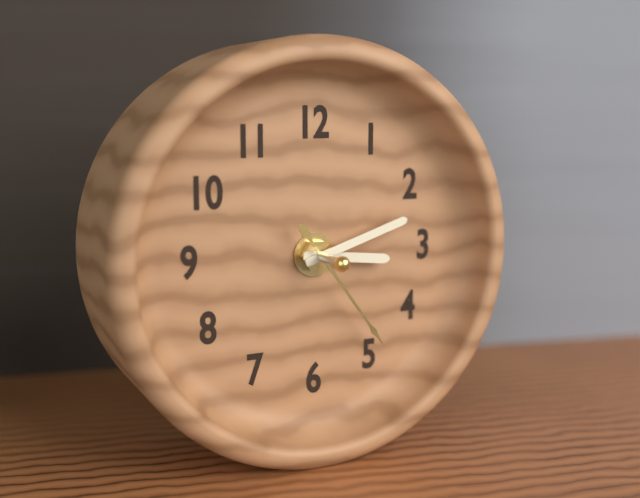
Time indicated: **3:12:24**
